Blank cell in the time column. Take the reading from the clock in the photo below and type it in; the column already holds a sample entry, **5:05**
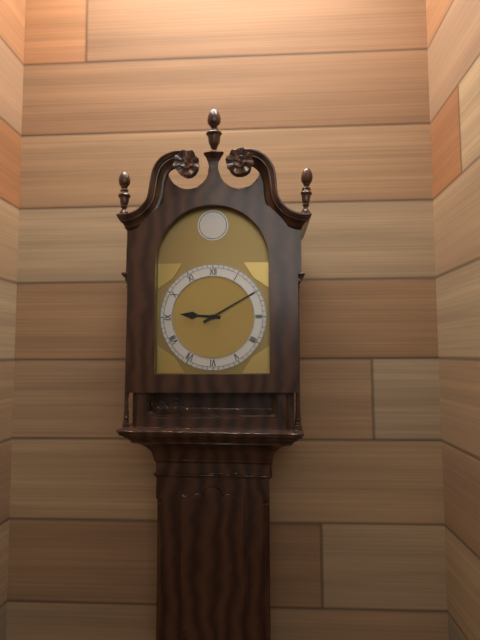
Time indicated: **9:10**
